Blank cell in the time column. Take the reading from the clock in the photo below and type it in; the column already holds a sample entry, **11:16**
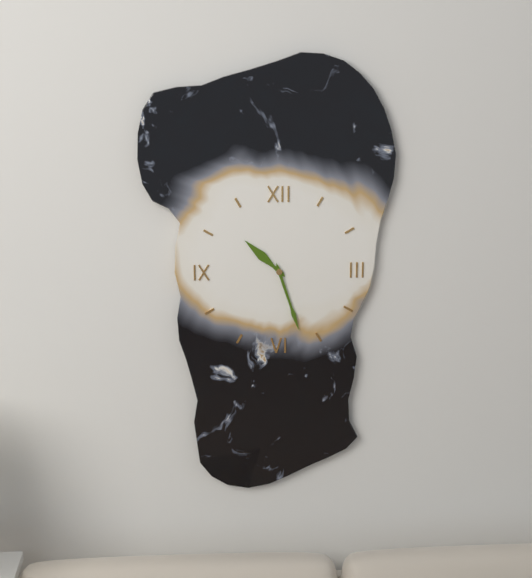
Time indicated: **10:27**
